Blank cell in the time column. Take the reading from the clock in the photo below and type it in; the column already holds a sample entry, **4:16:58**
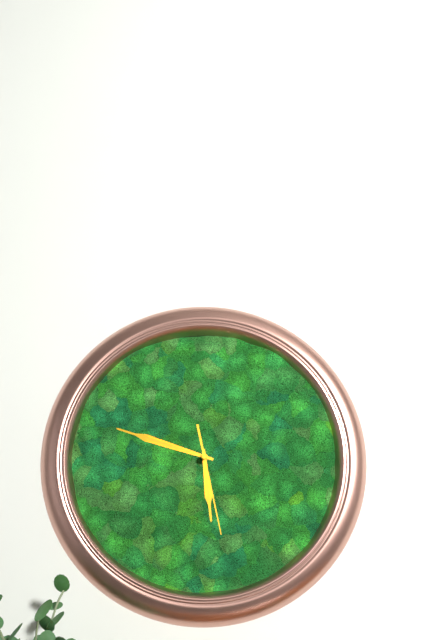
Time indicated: **5:48:28**
